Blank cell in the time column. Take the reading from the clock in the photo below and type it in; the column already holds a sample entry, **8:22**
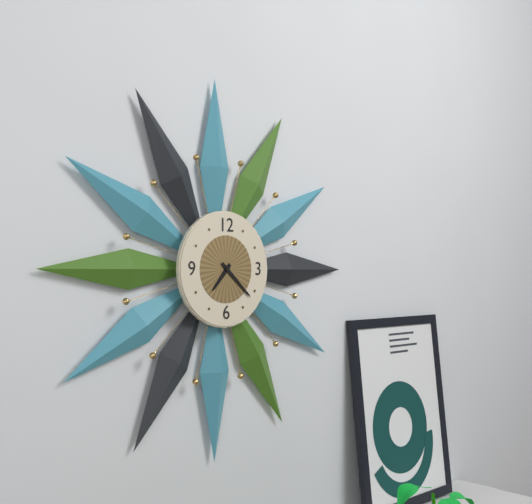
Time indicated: **7:22**
